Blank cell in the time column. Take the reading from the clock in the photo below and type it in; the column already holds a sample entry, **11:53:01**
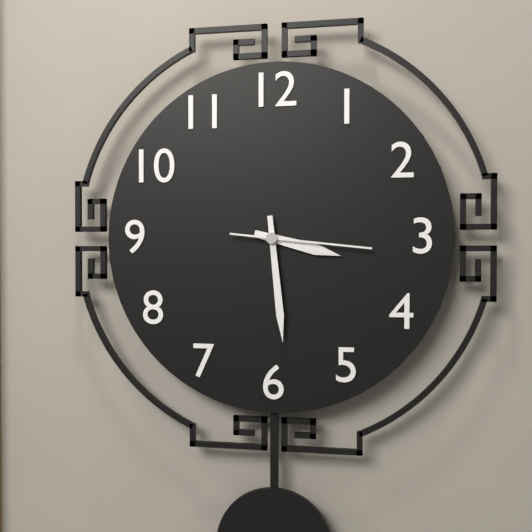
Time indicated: **3:29:16**
